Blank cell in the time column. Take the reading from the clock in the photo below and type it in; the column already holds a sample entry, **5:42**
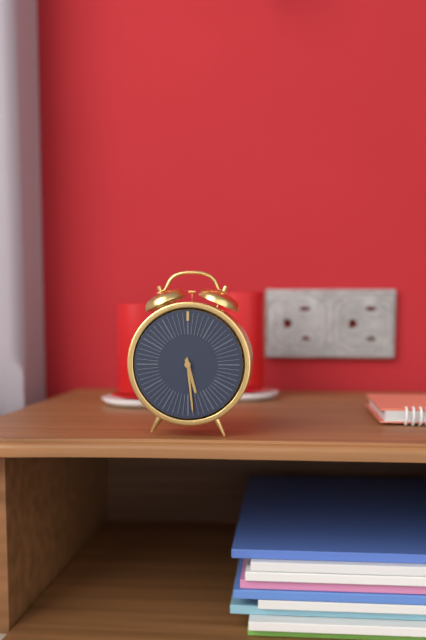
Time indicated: **5:29**
